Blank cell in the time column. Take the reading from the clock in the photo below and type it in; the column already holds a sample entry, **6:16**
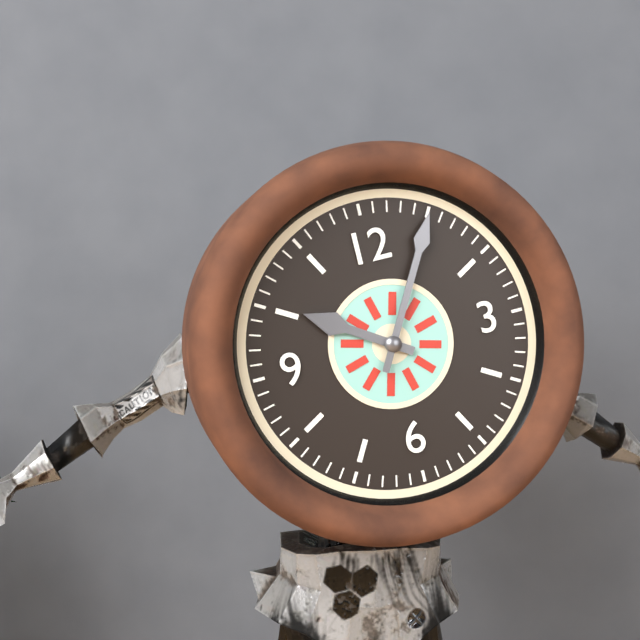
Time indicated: **10:05**
